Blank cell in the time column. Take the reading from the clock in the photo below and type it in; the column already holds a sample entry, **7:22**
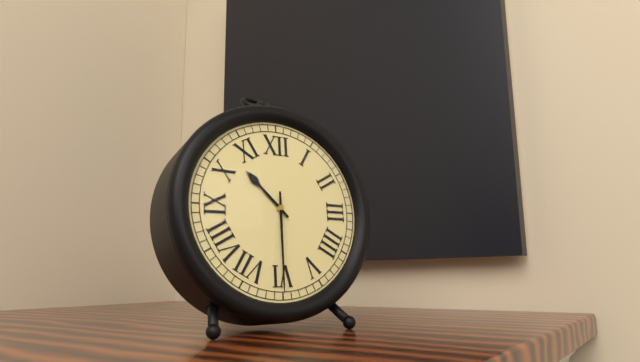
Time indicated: **10:30**
